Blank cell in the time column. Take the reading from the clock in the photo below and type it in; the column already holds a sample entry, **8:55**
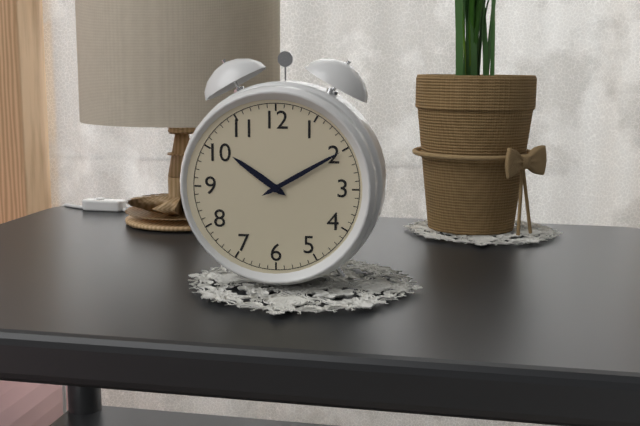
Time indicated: **10:10**
